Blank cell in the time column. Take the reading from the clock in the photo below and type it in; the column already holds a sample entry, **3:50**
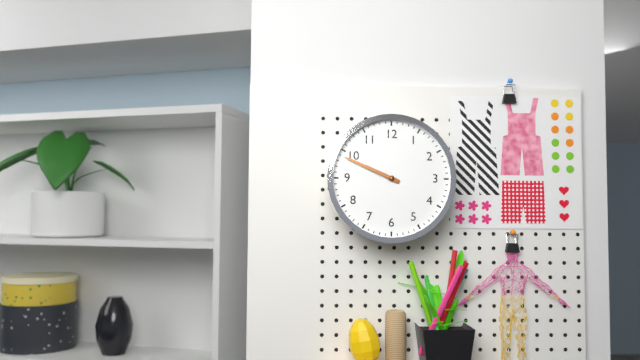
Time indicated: **9:49**
